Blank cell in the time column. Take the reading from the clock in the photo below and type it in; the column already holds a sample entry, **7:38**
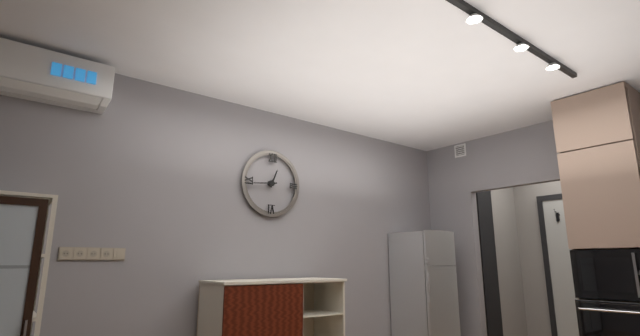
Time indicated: **12:44**
